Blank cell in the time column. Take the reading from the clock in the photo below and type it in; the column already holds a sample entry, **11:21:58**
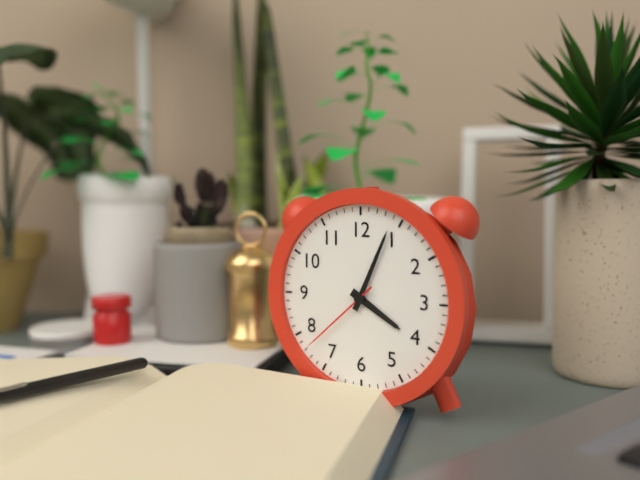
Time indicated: **4:04:38**
